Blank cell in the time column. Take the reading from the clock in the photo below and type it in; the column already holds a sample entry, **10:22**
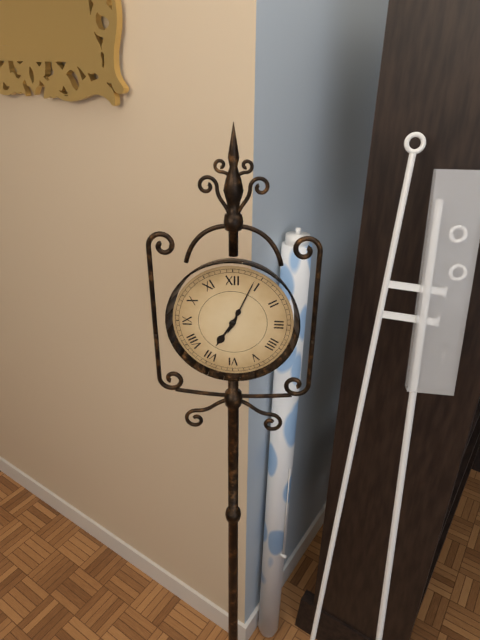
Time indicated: **7:04**
